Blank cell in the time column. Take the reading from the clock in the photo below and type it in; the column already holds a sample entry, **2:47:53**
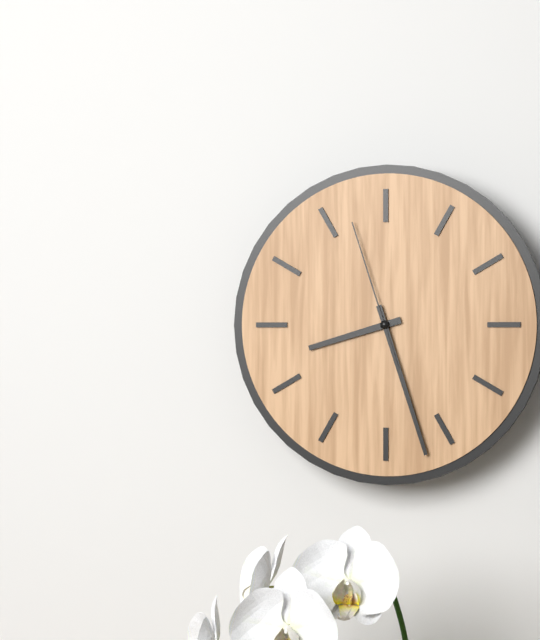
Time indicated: **8:27:57**
